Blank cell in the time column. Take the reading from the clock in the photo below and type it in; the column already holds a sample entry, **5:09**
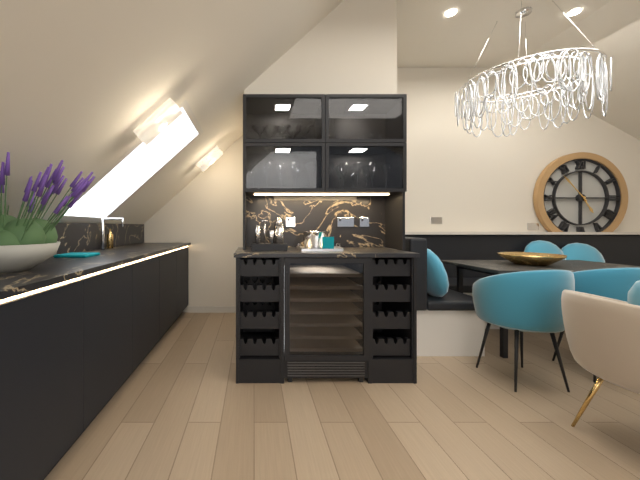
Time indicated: **4:53**
